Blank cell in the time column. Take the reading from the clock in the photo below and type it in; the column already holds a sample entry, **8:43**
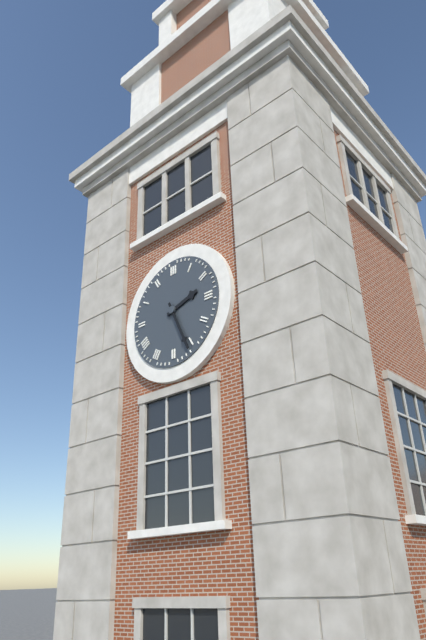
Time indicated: **2:26**
